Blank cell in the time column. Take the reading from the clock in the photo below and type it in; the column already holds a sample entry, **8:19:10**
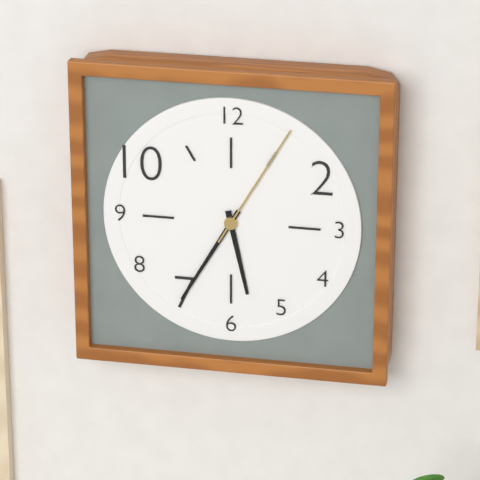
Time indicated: **5:35:05**
